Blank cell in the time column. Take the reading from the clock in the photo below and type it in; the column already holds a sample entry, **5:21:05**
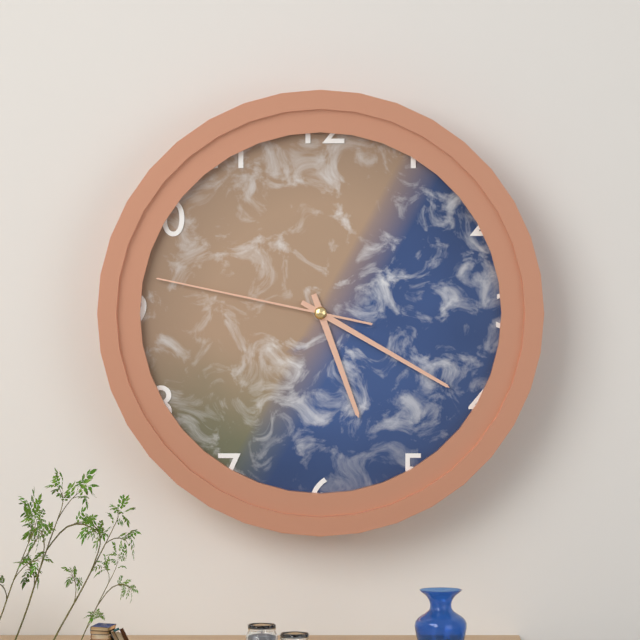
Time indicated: **5:20:47**
